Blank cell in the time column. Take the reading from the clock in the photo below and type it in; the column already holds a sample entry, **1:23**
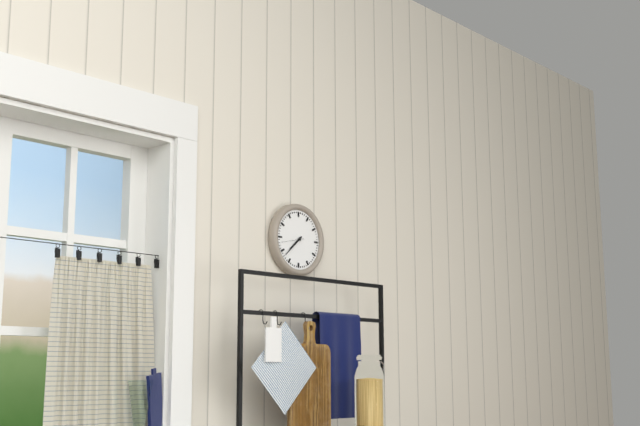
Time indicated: **7:38**
